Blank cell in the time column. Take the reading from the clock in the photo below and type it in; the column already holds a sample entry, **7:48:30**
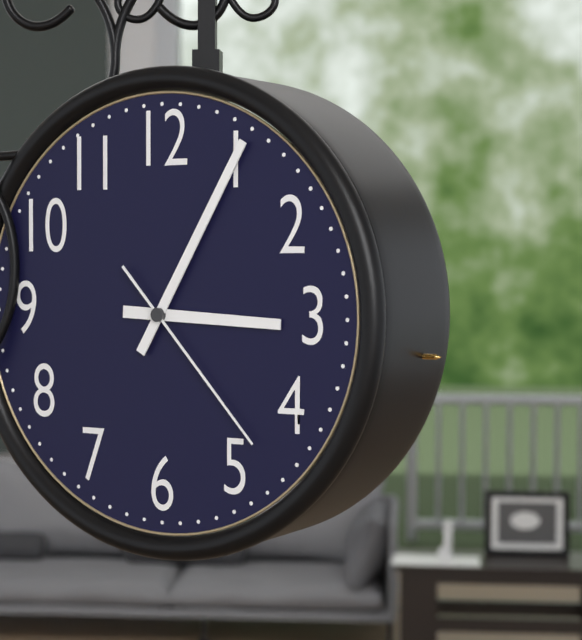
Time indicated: **3:05:23**
